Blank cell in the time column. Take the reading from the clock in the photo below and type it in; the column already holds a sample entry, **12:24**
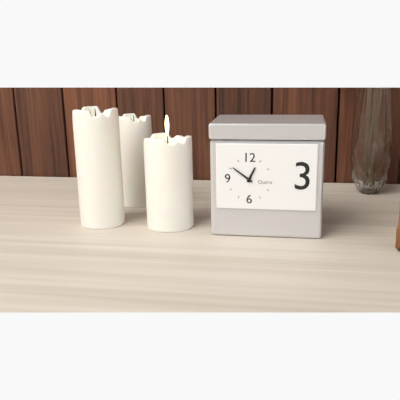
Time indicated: **12:51**
